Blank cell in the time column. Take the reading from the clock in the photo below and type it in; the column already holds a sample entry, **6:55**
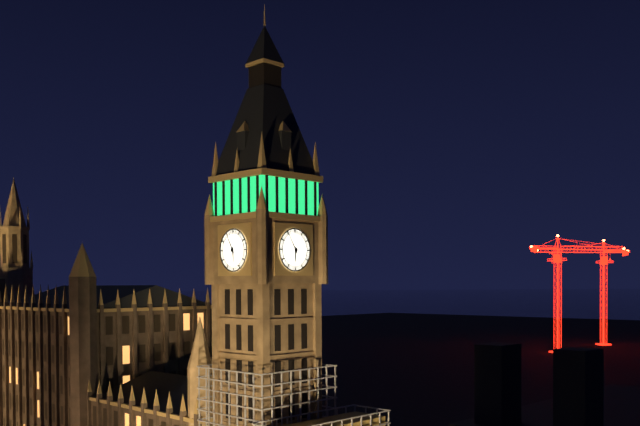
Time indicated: **5:55**
